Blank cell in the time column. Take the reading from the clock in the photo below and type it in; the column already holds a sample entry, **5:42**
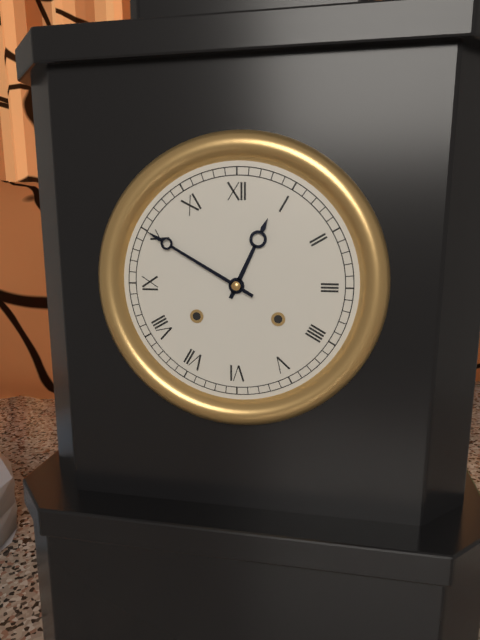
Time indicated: **12:50**
